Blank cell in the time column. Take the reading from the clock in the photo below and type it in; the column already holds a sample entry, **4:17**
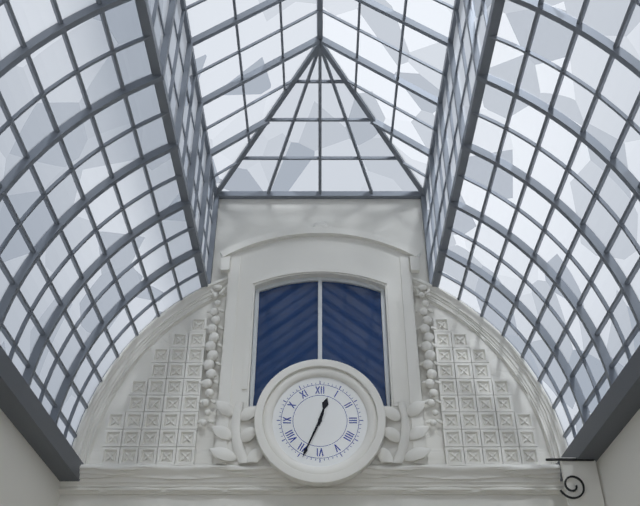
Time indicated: **12:34**
